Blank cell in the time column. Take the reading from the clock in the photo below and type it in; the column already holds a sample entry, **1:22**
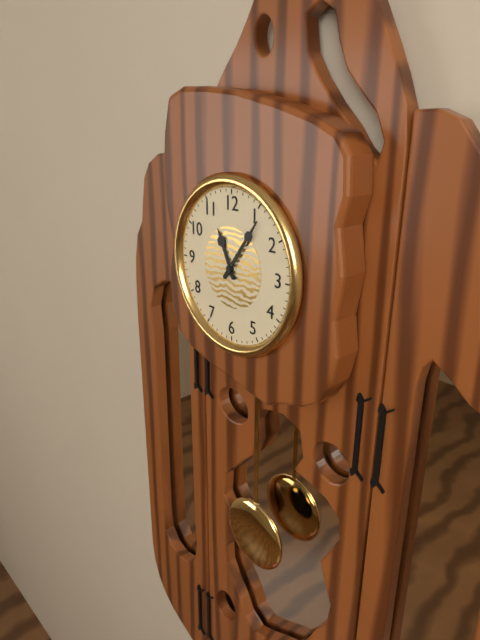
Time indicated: **11:06**
